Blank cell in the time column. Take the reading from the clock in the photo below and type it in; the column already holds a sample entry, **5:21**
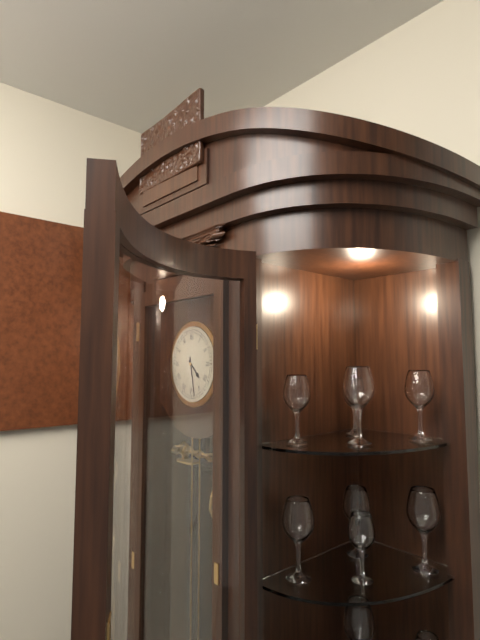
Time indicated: **4:28**
